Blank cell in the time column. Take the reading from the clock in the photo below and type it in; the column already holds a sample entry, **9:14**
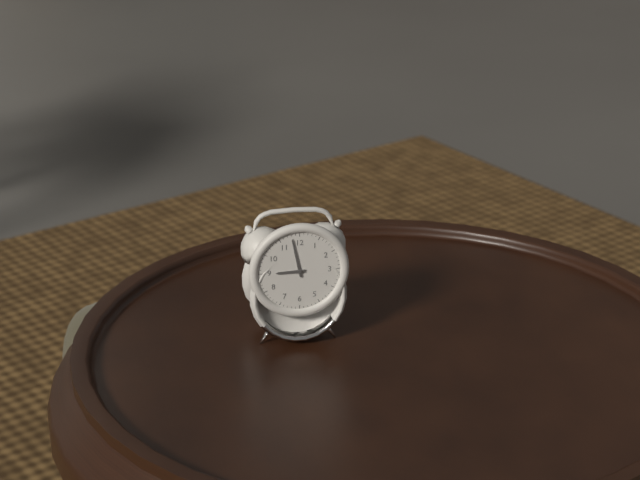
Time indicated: **8:58**
